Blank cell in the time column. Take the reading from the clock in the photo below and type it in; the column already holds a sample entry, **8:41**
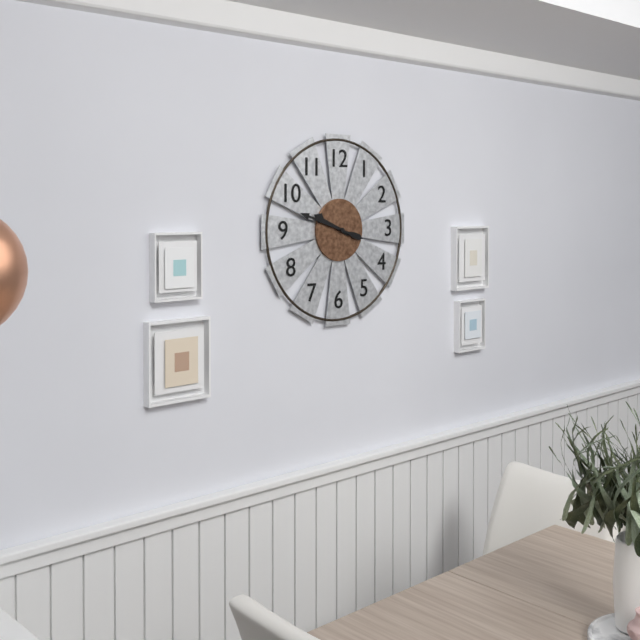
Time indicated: **9:48**
